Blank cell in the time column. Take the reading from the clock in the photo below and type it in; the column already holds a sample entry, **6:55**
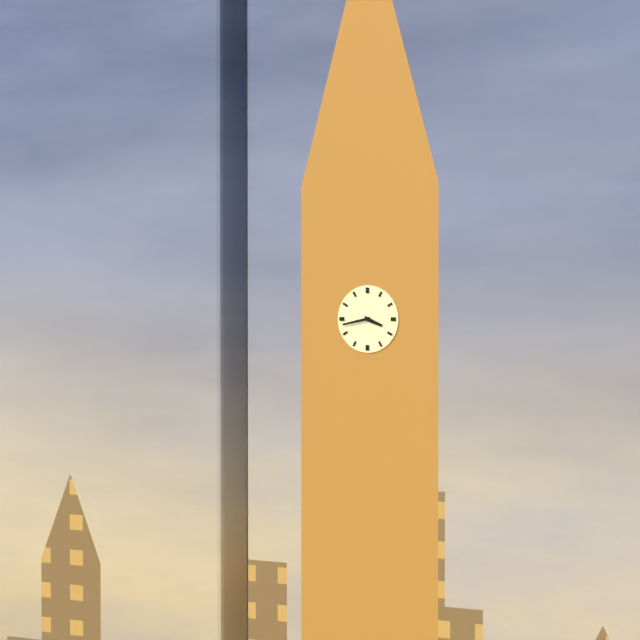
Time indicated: **3:43**
